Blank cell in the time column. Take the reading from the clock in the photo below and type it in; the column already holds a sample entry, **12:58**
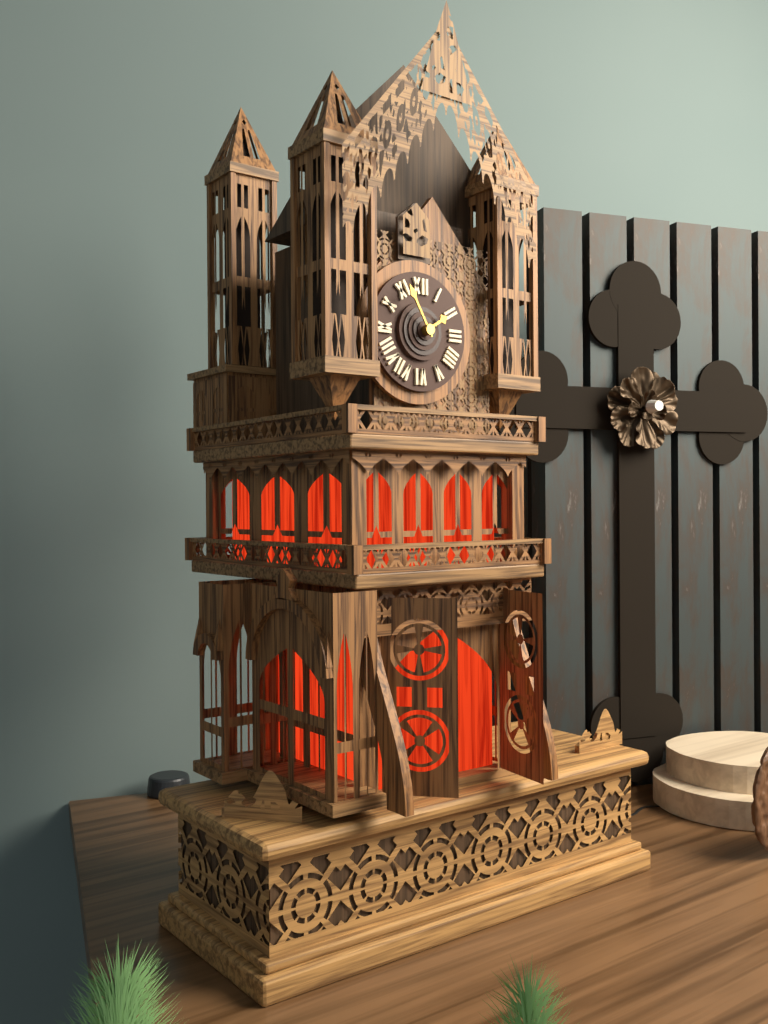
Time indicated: **1:55**
